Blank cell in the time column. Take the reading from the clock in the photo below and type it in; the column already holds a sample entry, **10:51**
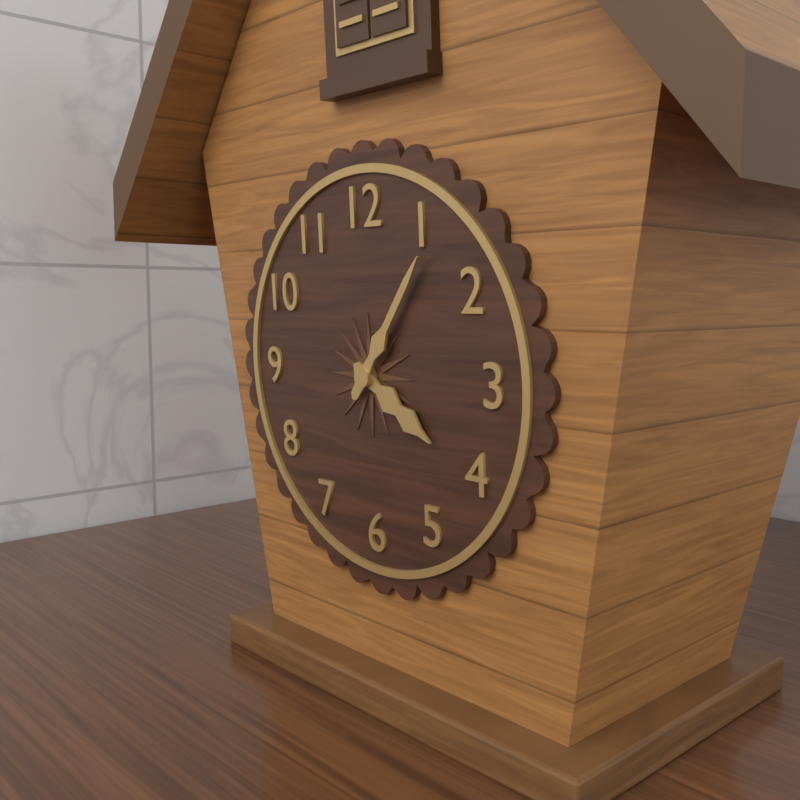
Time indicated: **4:06**
